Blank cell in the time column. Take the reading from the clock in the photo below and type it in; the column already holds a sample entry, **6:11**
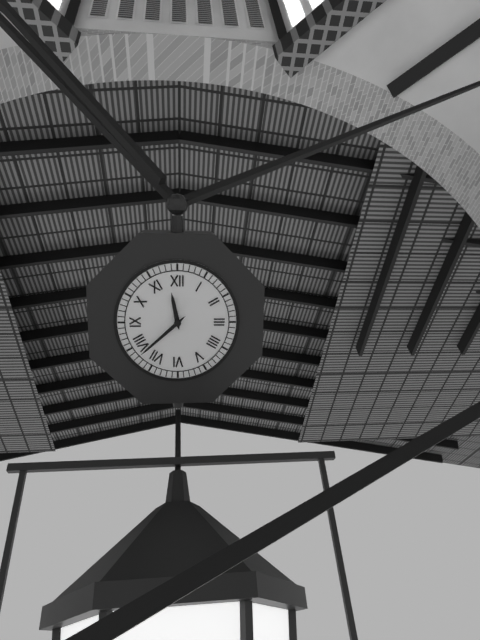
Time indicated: **11:38**
